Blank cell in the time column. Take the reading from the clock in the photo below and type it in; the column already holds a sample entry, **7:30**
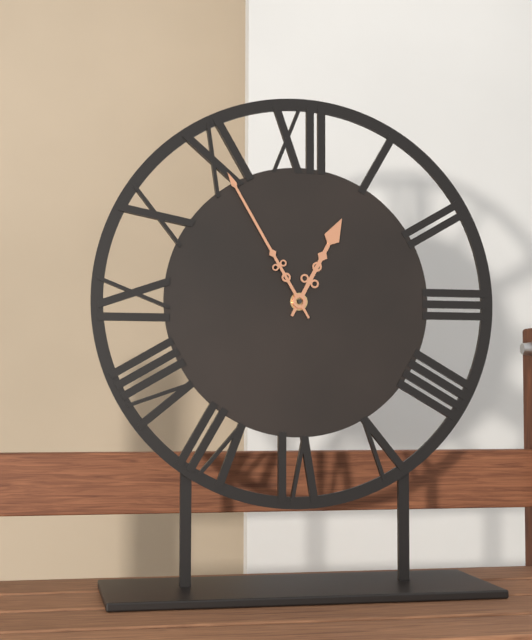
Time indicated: **12:55**
